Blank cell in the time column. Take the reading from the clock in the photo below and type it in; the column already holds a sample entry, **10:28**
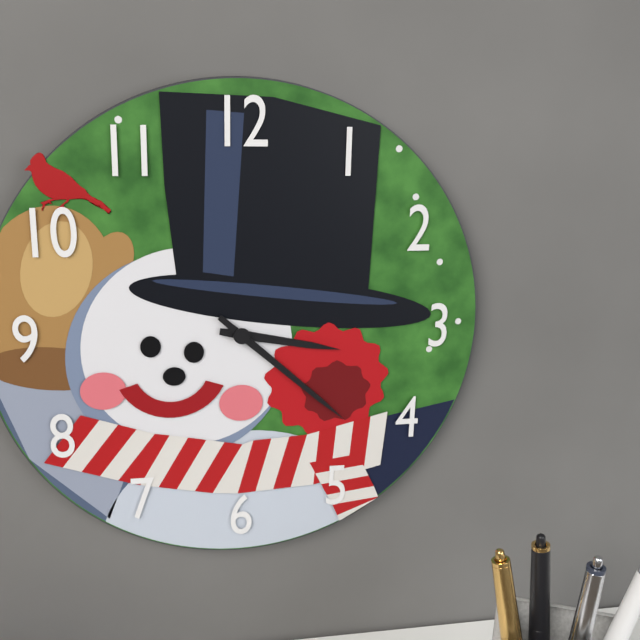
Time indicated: **3:22**
